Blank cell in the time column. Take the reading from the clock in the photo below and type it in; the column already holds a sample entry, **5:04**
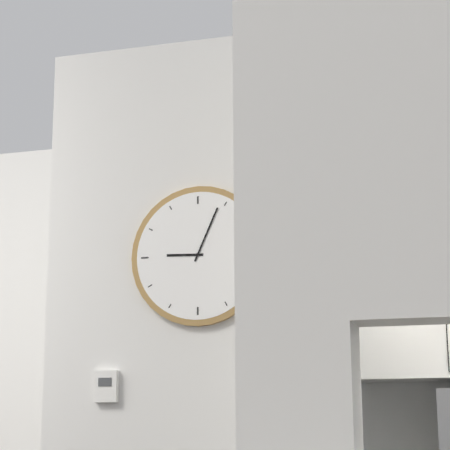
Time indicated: **9:04**
